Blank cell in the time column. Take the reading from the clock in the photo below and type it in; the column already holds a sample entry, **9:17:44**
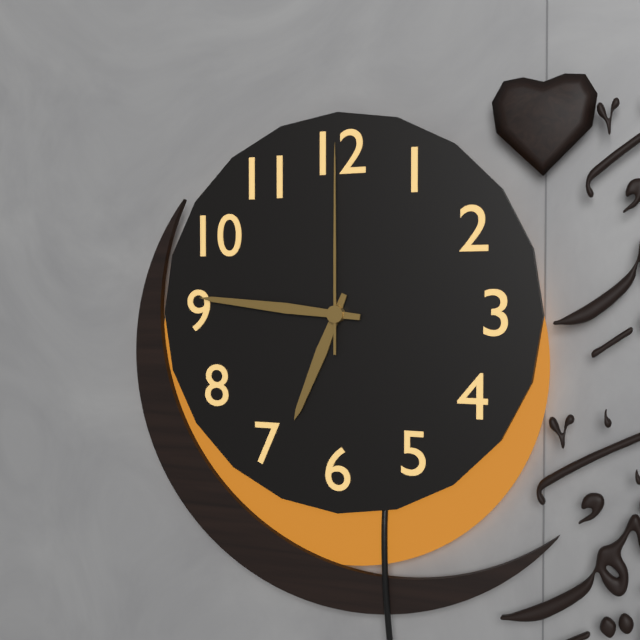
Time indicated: **6:46:00**
